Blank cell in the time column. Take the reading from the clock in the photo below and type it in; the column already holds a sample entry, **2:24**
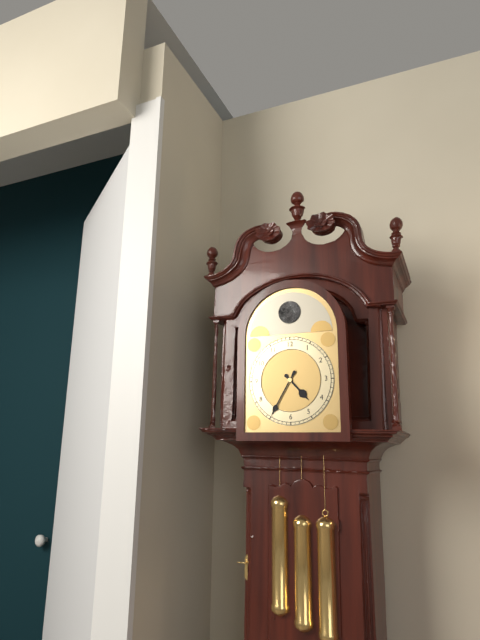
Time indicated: **4:35**
